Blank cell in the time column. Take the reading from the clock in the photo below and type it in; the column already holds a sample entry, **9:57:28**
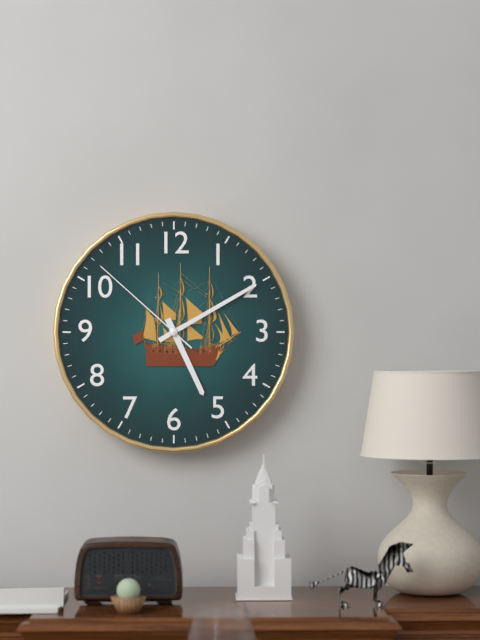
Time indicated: **5:10:52**
